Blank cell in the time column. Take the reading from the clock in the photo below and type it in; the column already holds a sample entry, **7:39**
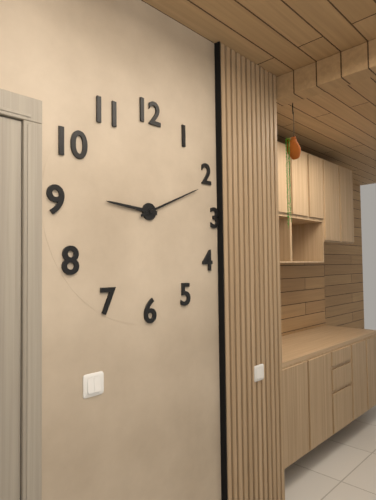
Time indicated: **9:11**
